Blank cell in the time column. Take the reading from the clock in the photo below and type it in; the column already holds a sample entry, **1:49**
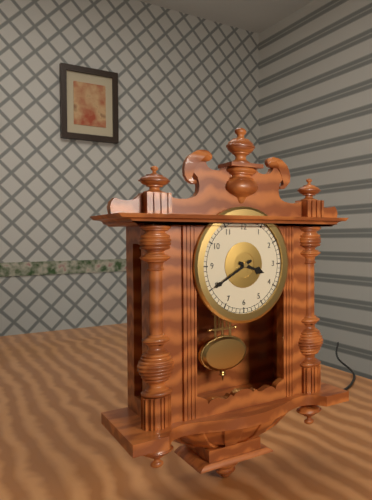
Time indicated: **3:40**
